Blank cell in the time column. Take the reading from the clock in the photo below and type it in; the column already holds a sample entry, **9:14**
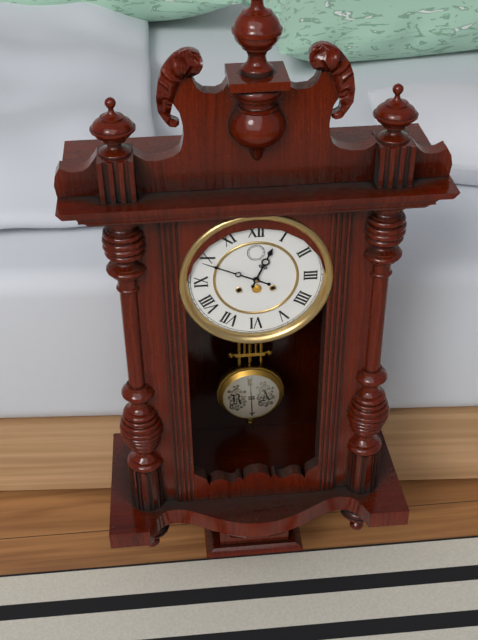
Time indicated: **12:49**
